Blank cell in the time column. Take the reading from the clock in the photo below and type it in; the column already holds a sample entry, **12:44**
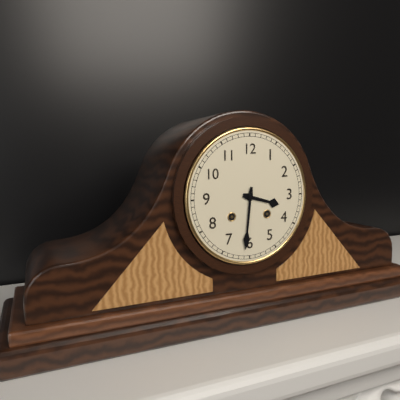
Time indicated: **3:31**
